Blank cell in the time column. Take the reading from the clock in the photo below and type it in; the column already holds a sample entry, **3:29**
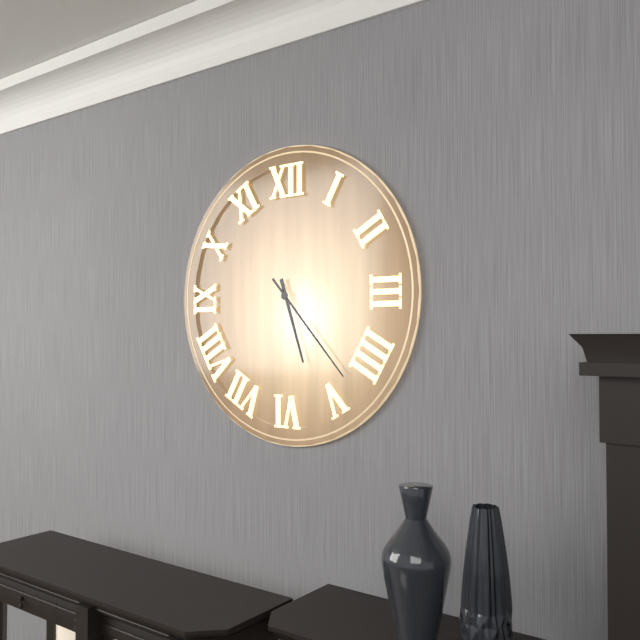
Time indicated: **5:23**
